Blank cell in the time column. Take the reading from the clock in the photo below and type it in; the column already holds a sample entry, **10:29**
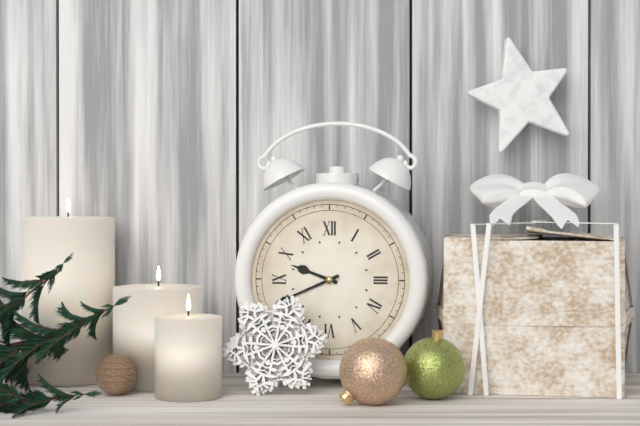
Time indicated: **9:41**
